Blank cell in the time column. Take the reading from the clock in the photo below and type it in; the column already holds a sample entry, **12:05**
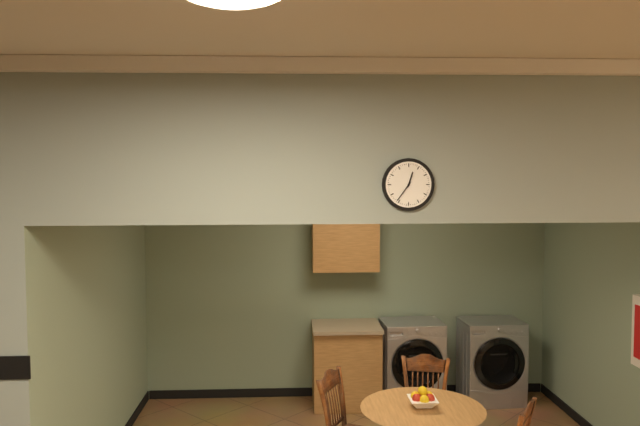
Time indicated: **12:36**
